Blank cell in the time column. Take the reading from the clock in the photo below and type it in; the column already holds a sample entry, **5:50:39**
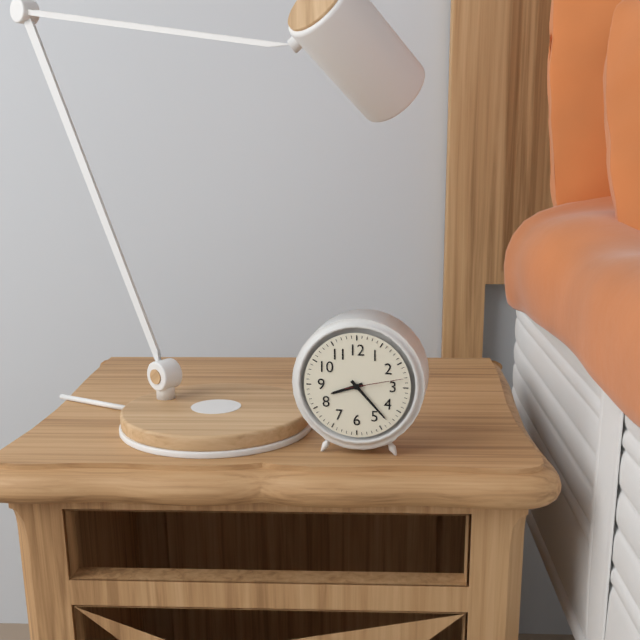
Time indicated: **8:23:13**
